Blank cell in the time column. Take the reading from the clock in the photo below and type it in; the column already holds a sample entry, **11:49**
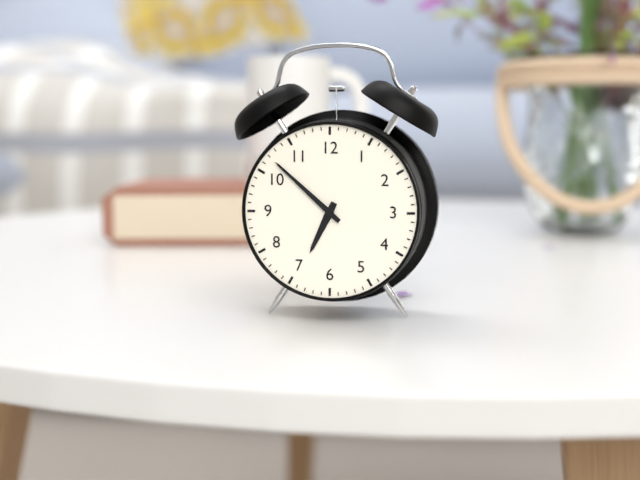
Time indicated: **6:52**
